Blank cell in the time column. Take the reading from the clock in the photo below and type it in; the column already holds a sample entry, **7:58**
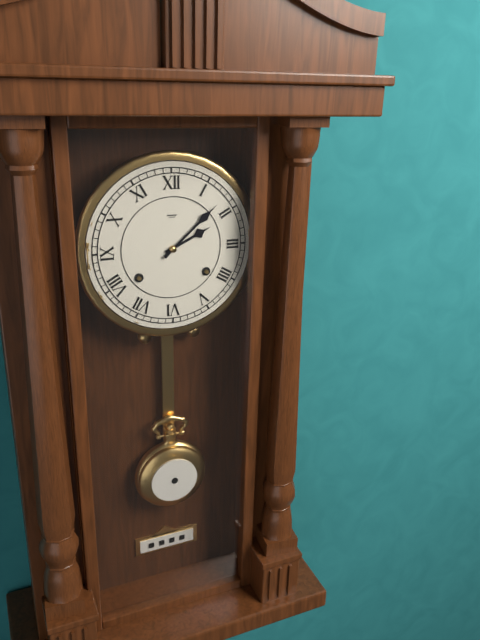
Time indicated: **2:08**
